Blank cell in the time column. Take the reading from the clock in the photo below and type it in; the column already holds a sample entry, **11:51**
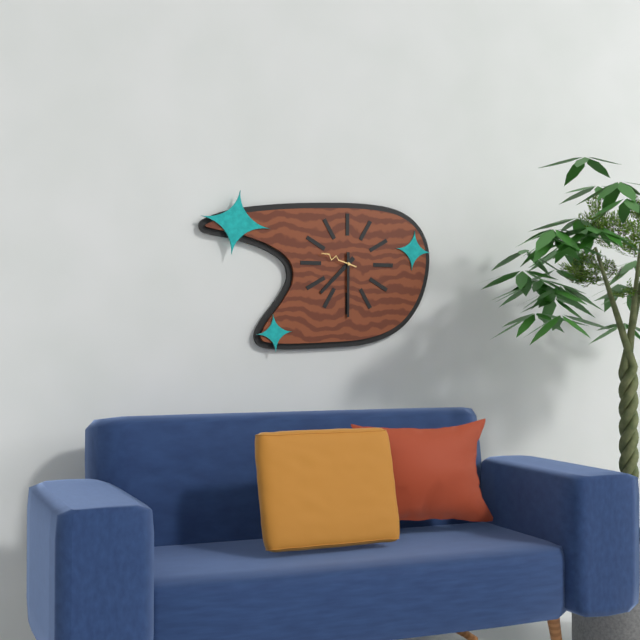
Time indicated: **7:30**
